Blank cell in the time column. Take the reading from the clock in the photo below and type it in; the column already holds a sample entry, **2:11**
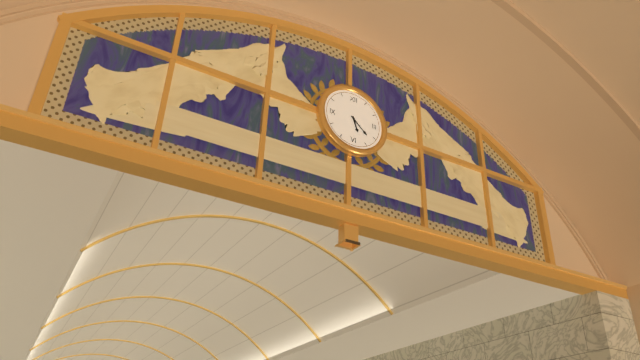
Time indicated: **5:22**
